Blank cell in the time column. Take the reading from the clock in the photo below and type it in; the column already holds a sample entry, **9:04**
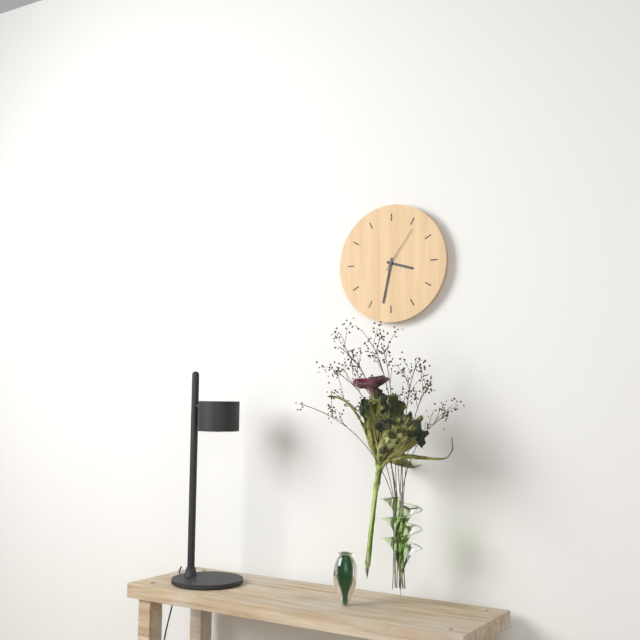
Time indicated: **3:32**
